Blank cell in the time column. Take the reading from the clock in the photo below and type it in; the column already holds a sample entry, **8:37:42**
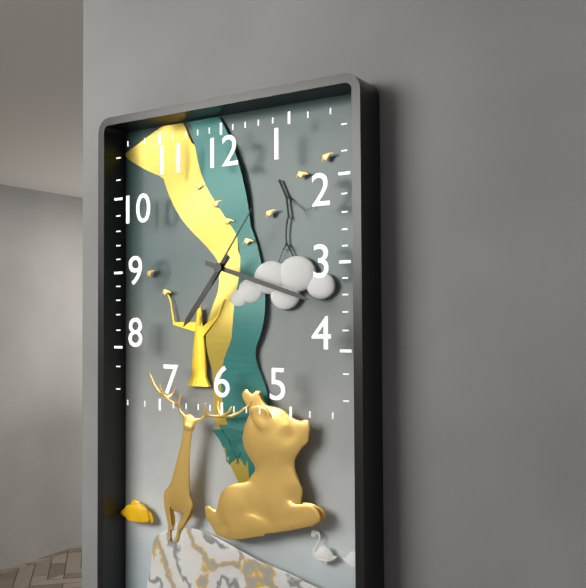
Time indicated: **7:18:06**
